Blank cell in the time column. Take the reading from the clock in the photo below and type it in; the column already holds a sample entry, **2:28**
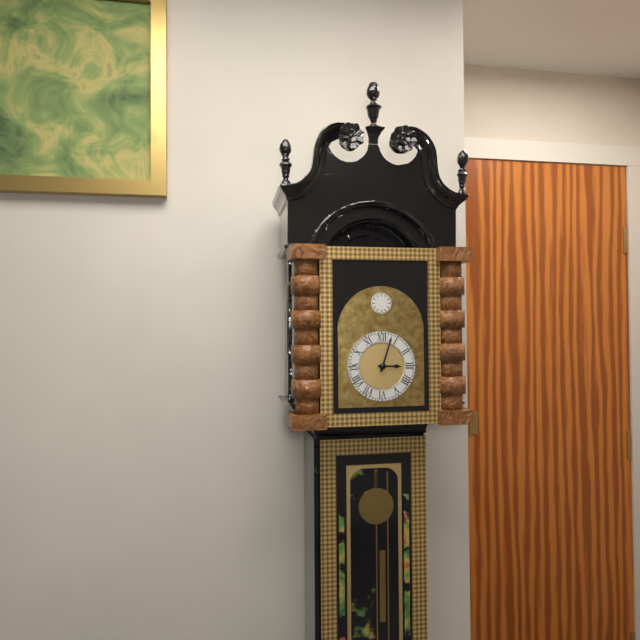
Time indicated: **3:03**
